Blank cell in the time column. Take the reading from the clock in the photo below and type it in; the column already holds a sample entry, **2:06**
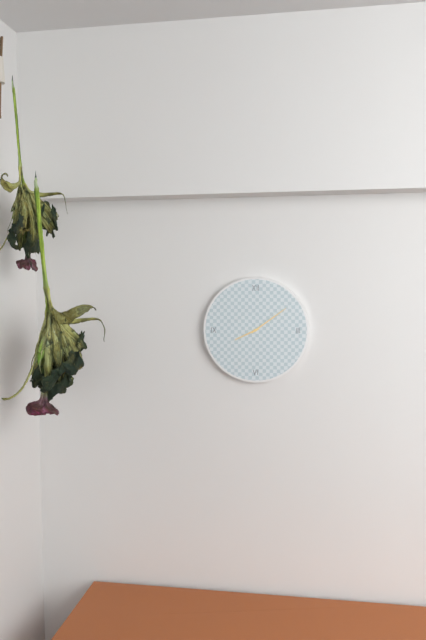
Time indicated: **8:09**
